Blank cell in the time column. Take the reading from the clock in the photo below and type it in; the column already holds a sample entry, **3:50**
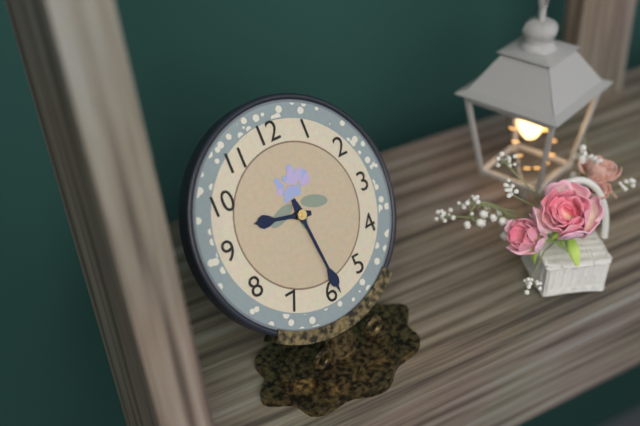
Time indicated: **9:29**
